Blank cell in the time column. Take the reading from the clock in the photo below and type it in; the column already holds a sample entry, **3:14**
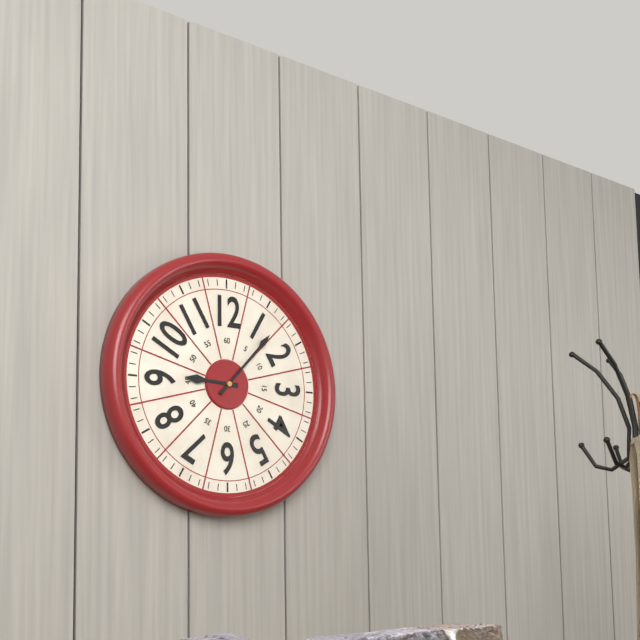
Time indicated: **9:07**
